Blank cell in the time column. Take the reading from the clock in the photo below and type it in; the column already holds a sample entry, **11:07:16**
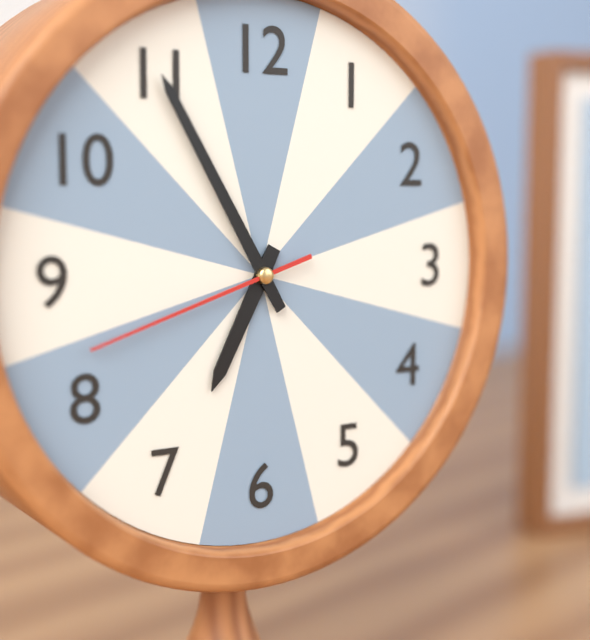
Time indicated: **6:55:42**
